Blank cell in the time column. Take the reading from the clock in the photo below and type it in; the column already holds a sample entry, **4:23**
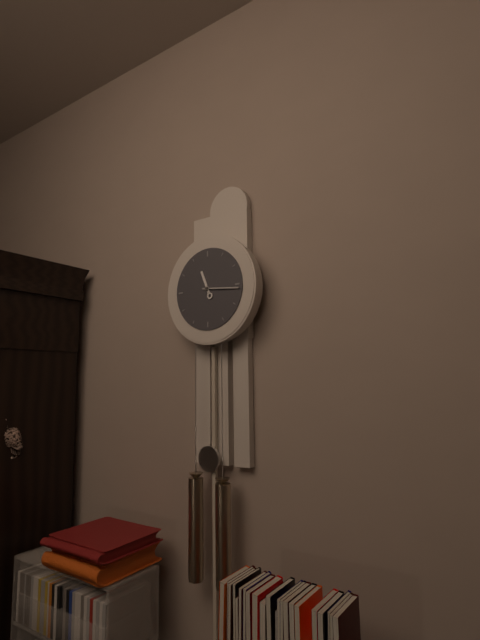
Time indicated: **11:16**
